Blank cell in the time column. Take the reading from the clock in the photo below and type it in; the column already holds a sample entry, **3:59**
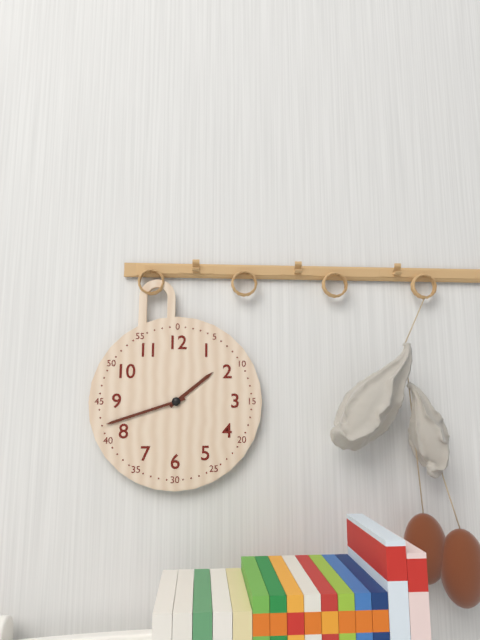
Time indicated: **1:42**
